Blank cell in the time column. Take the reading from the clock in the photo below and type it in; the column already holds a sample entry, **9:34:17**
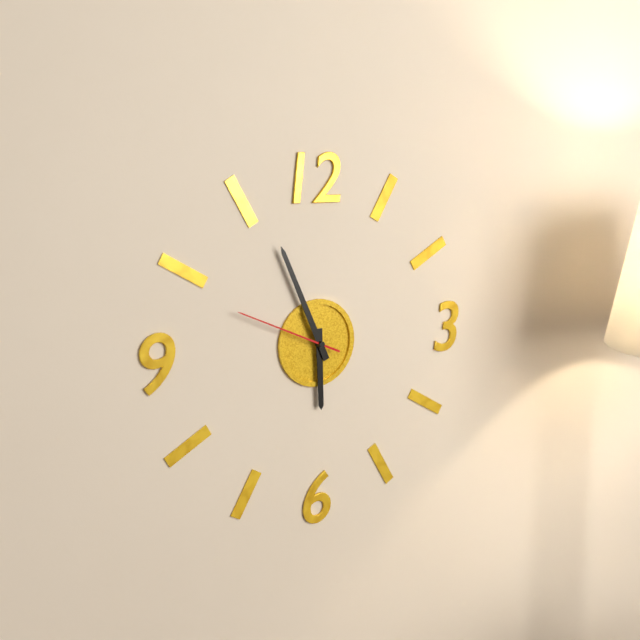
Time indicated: **5:56:49**
